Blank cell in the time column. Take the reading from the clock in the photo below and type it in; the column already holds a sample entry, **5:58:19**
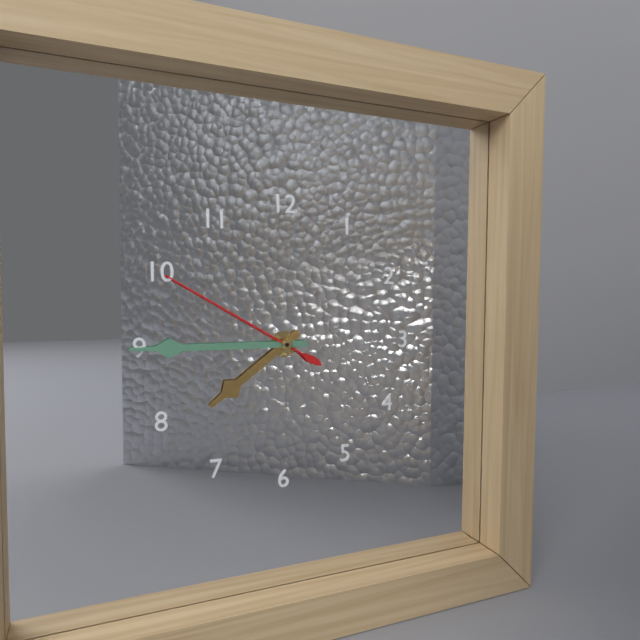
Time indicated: **7:45:50**
